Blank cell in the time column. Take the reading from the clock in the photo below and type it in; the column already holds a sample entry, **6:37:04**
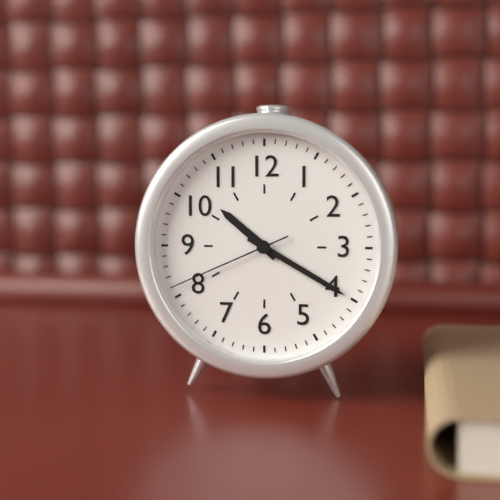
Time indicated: **10:20:41**
